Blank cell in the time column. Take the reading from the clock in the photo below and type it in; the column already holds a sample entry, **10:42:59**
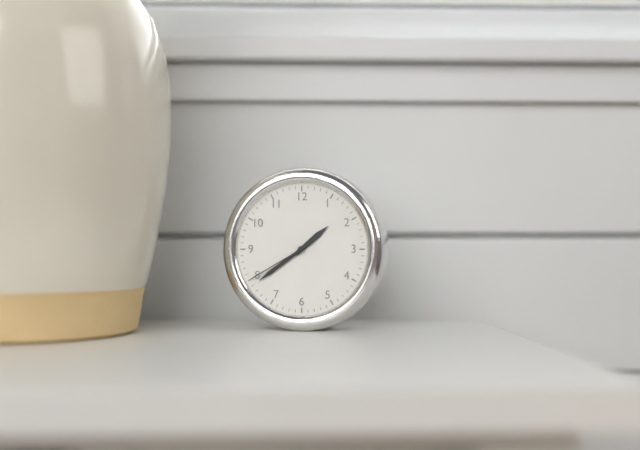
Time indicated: **1:39:40**
